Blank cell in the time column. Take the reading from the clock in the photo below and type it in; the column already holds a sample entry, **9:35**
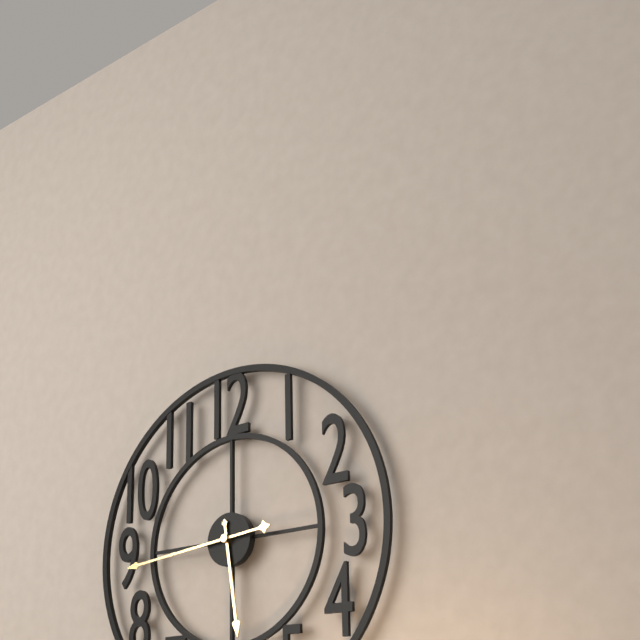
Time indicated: **5:44**
